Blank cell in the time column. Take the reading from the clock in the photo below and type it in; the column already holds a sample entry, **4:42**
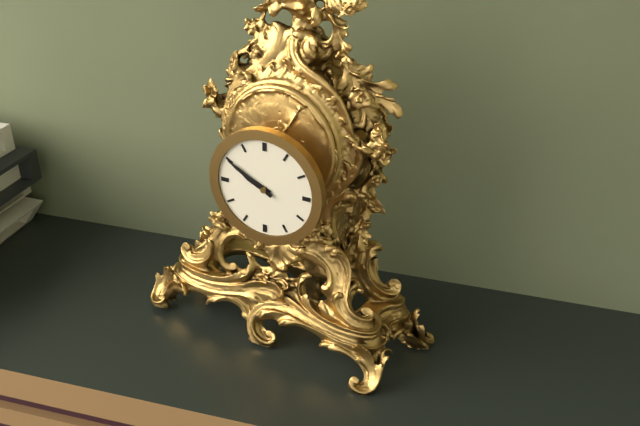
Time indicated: **9:50**
